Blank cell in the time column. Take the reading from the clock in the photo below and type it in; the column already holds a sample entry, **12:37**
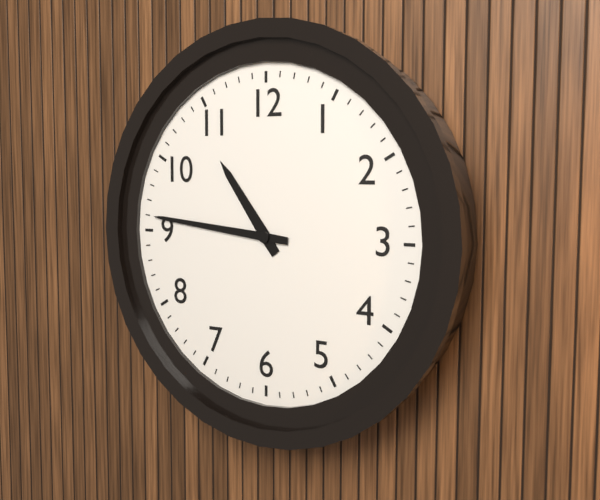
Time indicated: **10:46**
